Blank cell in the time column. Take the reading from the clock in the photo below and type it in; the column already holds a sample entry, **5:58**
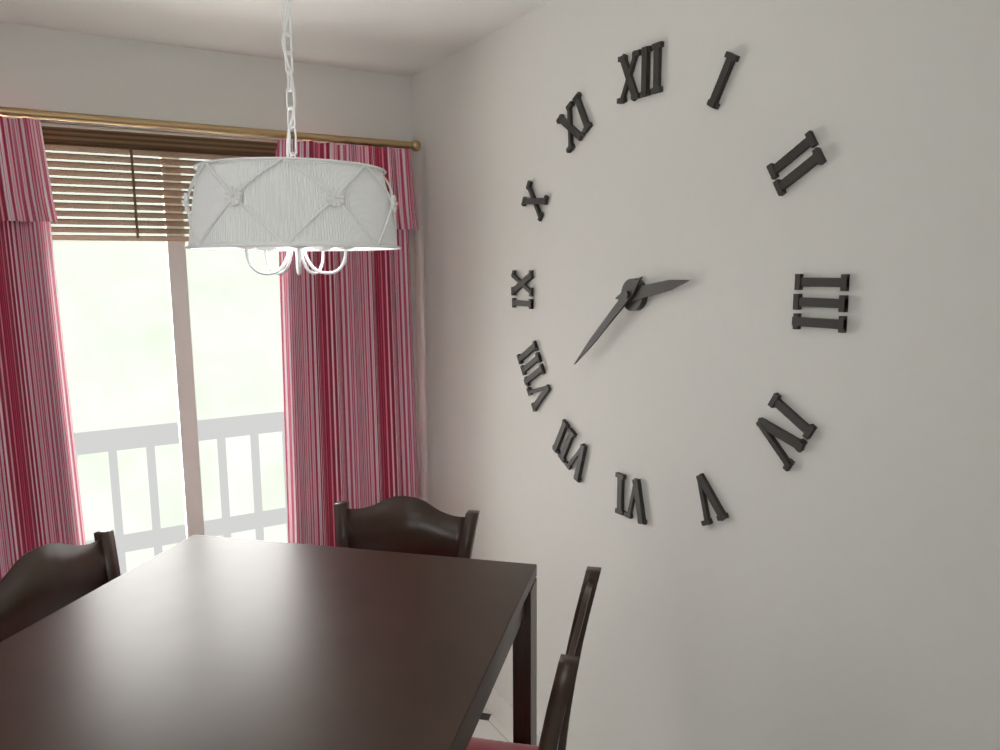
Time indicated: **2:38**
